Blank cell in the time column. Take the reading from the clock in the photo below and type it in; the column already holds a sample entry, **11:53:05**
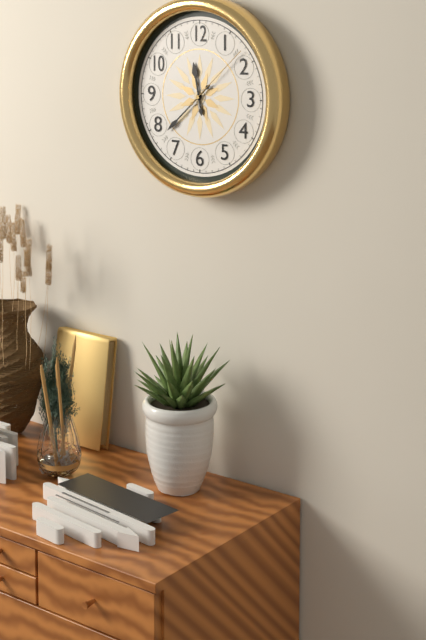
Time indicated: **11:38:08**
